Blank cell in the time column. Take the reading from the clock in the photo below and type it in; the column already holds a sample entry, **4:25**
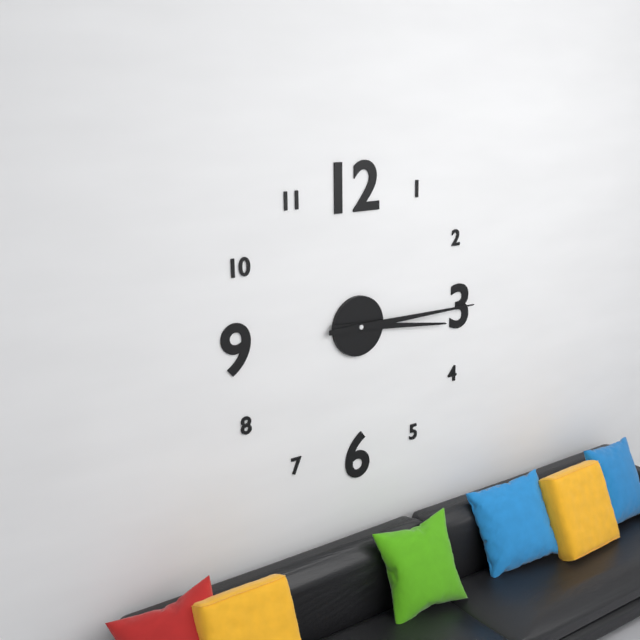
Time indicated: **3:15**
